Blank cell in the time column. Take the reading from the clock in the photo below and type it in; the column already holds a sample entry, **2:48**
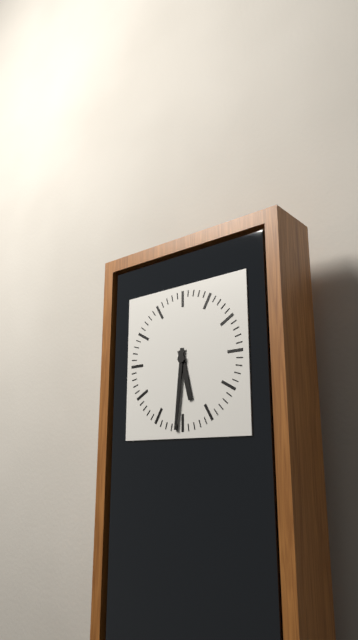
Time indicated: **5:31**
